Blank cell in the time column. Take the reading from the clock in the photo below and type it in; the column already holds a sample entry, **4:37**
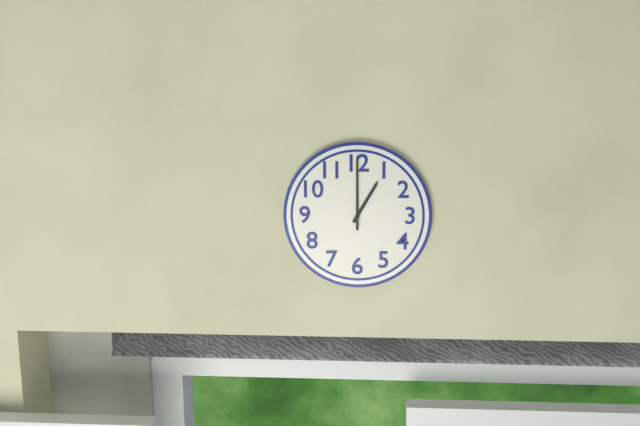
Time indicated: **1:00**
